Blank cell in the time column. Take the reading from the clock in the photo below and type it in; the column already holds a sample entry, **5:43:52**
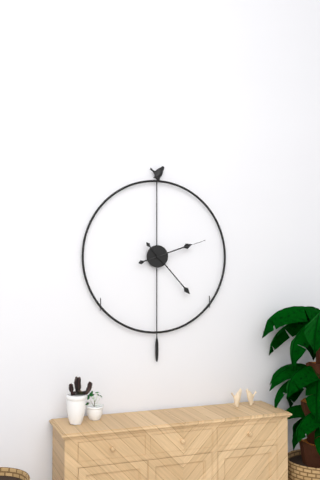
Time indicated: **2:23:12**
